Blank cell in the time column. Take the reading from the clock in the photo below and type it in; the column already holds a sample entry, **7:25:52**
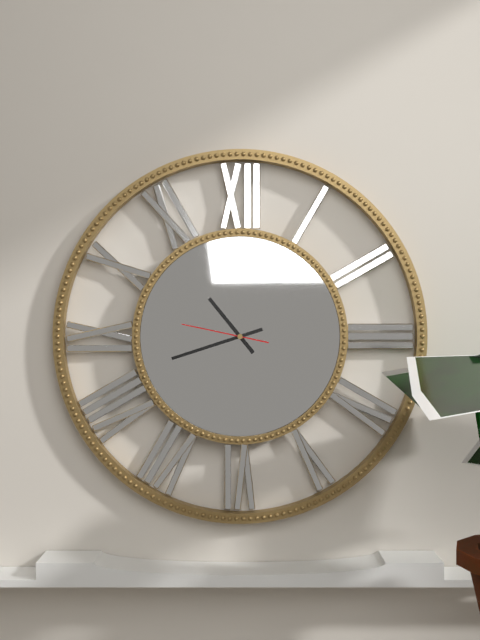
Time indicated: **10:42:47**
